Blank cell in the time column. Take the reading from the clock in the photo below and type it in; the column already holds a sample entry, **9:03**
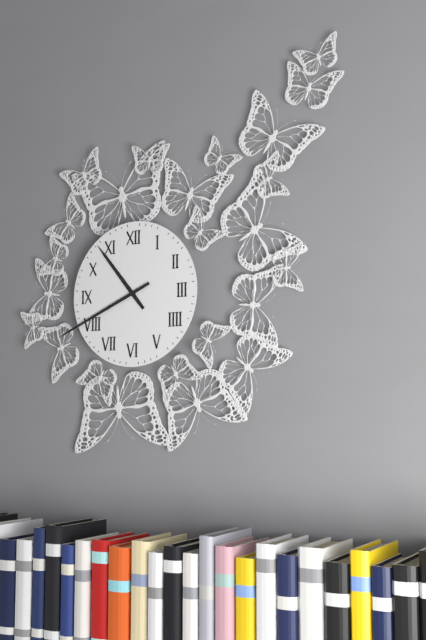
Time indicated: **10:41**
